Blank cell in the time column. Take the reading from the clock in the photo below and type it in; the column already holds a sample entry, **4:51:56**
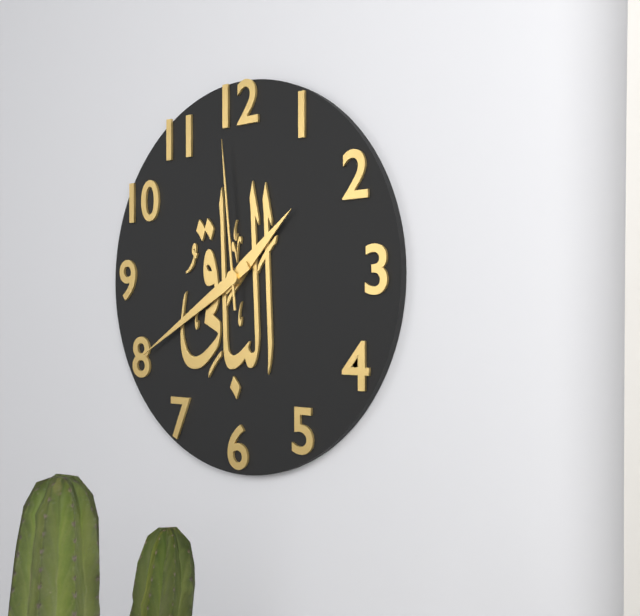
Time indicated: **1:40:59**
